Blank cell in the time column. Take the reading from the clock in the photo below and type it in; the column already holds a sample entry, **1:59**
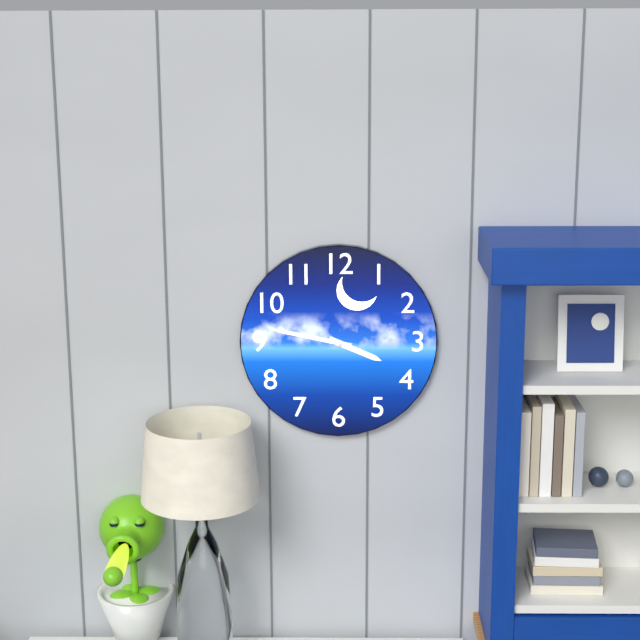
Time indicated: **3:47**
